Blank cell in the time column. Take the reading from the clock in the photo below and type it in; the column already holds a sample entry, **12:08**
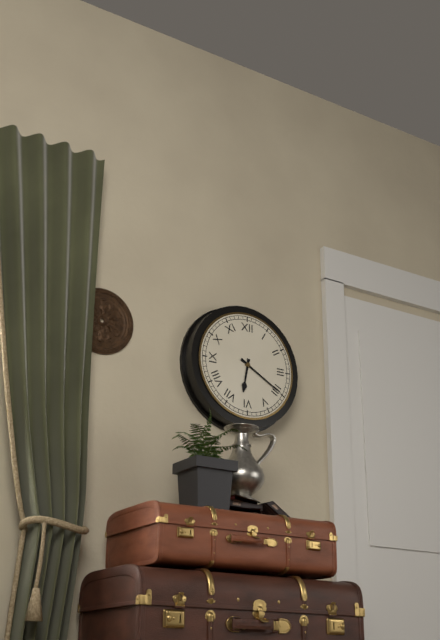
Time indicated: **6:20**
